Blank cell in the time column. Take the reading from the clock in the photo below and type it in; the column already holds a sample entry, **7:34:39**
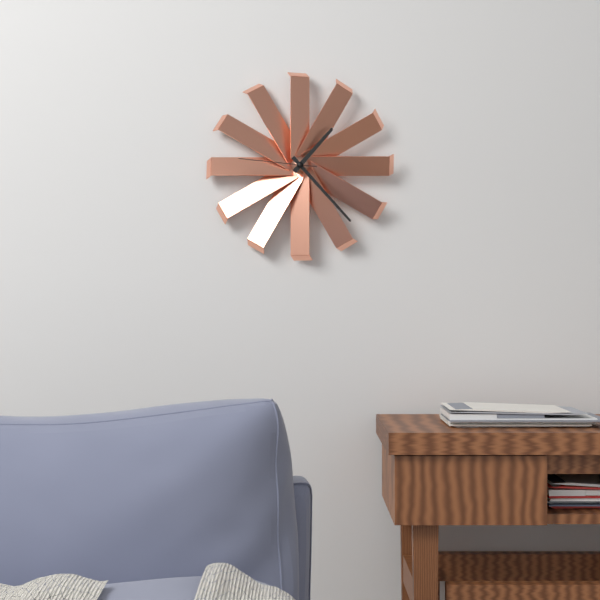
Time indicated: **1:23:46**
